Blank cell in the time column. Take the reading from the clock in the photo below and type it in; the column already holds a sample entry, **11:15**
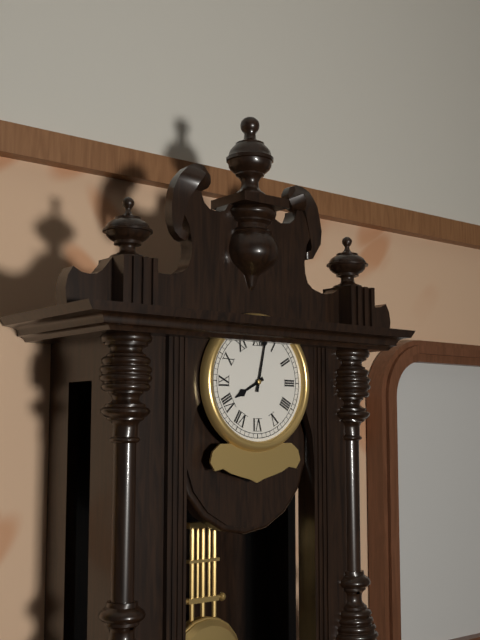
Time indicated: **8:02**
